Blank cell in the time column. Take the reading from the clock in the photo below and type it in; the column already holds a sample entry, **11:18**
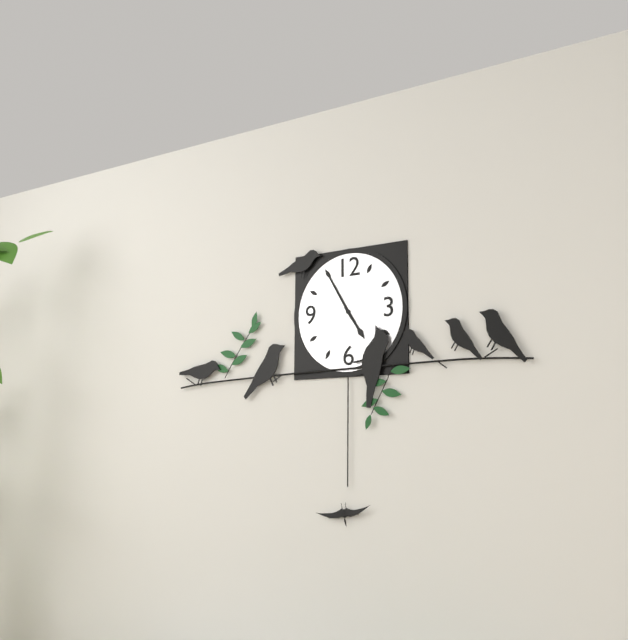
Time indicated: **4:55**
